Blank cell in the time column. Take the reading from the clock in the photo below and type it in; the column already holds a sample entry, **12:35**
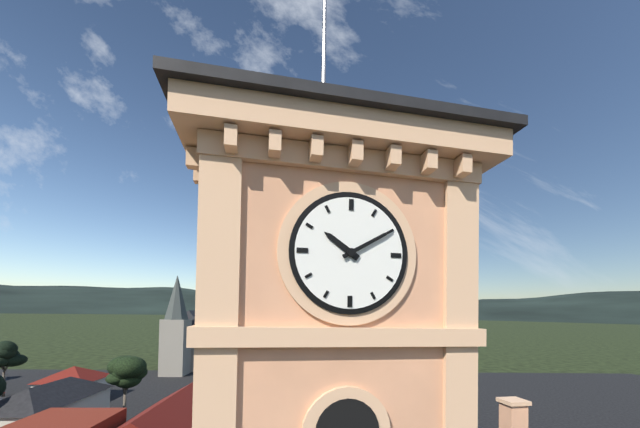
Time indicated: **10:10**
